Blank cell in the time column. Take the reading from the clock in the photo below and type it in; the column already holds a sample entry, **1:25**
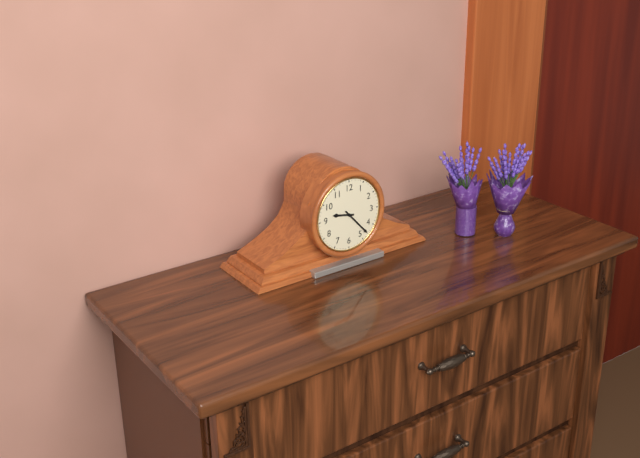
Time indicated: **9:23**
